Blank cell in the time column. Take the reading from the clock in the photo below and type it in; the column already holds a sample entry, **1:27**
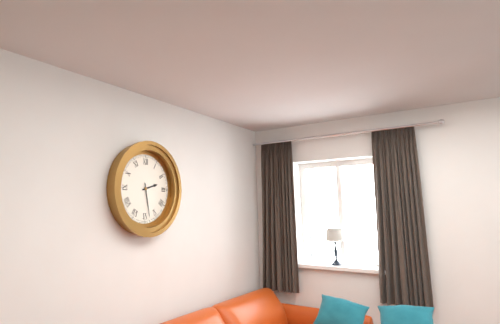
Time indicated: **2:28**
